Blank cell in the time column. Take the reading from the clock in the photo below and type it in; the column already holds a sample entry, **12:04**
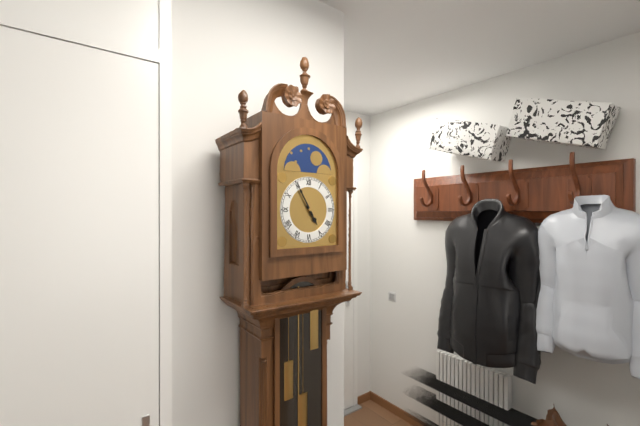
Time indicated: **4:55**
